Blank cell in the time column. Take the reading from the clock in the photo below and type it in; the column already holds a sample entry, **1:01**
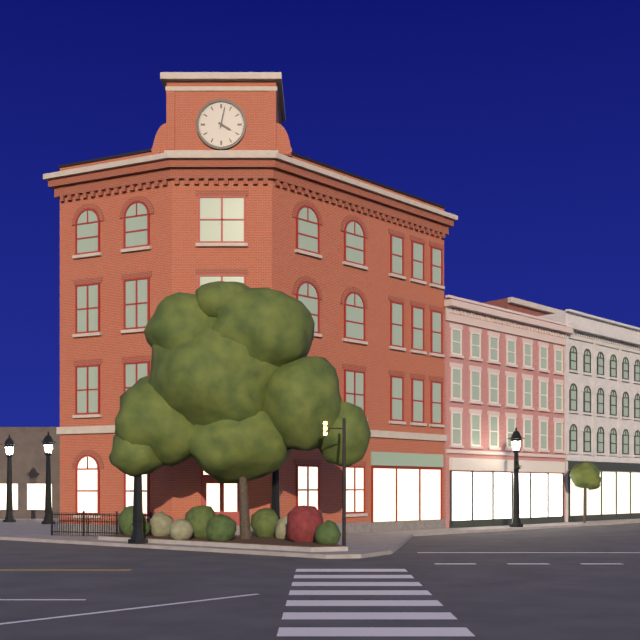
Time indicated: **4:02**
